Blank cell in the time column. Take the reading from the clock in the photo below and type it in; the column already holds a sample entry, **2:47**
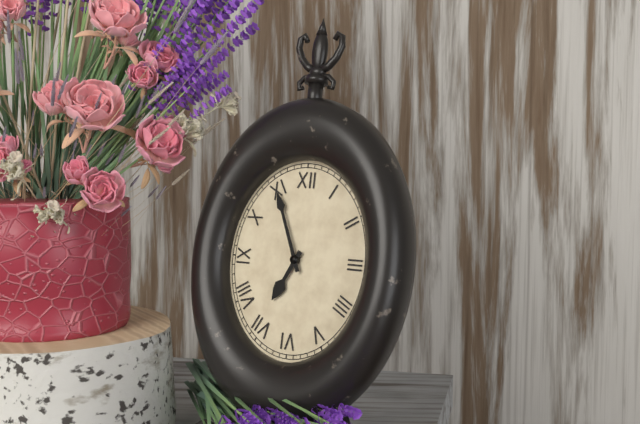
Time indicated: **6:56**
